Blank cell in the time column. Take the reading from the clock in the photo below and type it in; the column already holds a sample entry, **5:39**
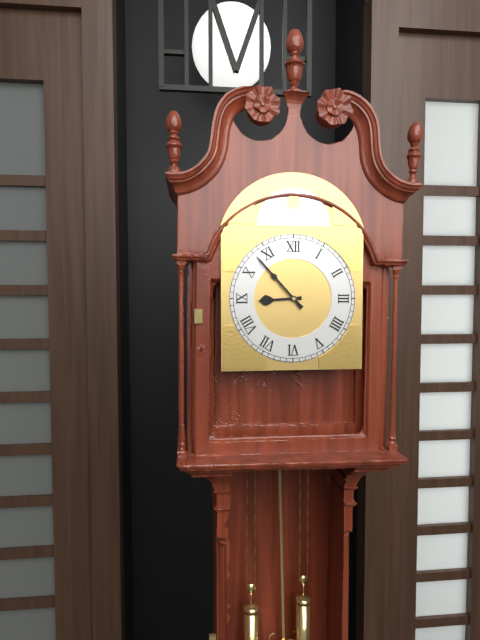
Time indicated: **8:53**
